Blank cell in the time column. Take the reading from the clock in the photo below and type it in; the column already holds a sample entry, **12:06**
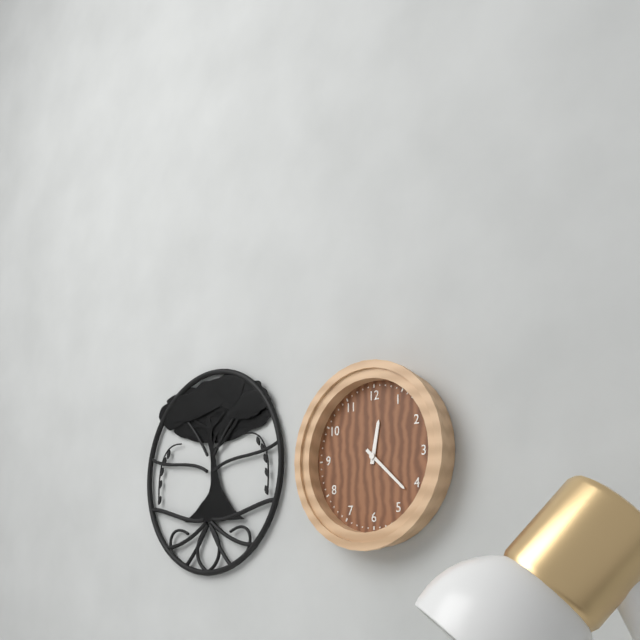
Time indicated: **12:22**
